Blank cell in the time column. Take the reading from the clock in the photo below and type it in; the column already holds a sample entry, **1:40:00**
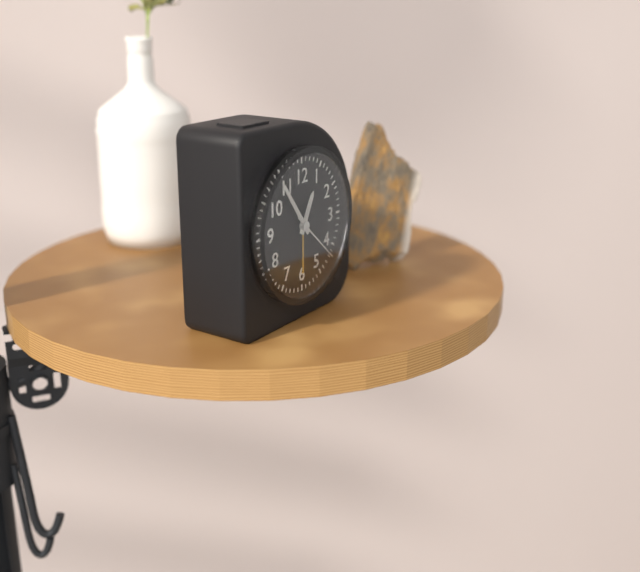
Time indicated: **12:54:22**
